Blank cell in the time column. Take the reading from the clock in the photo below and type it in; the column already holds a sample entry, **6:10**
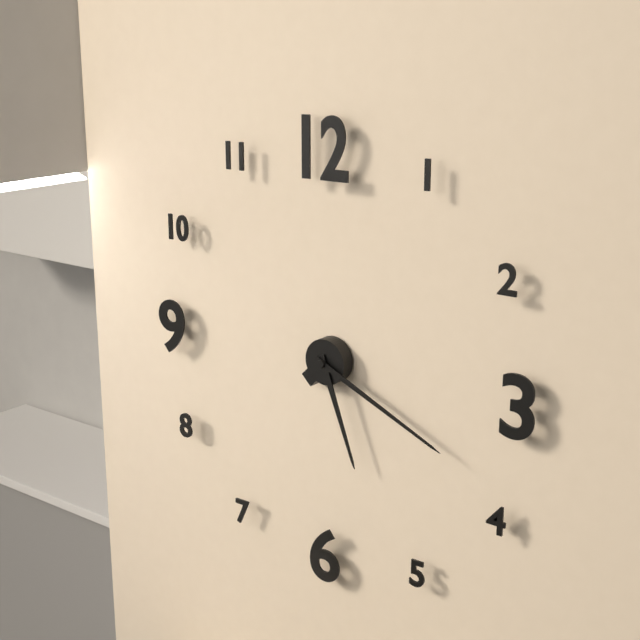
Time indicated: **5:19**
